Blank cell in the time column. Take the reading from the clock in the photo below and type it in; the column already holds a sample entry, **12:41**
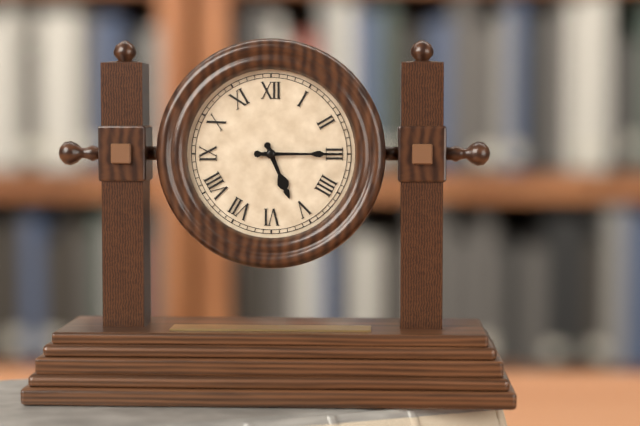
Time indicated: **5:15**
